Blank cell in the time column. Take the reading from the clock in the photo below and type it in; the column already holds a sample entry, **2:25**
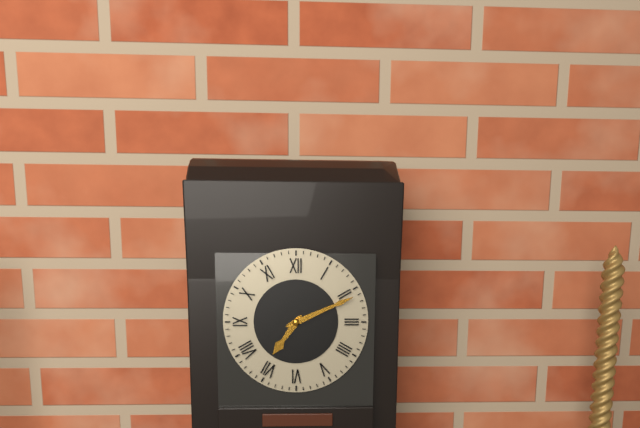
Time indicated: **7:11**
